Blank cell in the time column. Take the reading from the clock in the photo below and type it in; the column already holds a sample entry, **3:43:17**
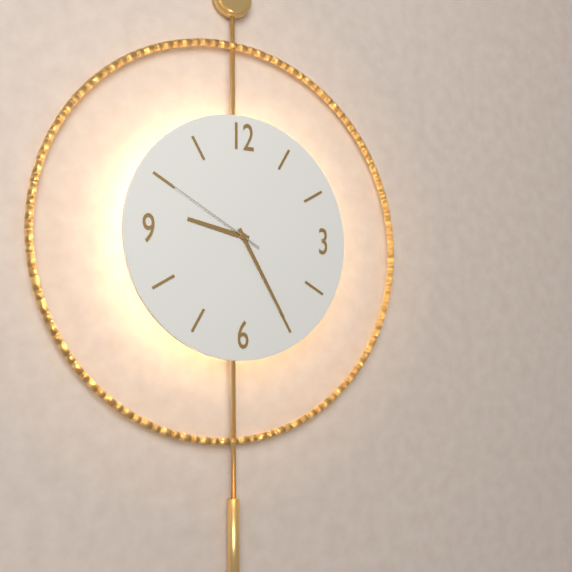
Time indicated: **9:25:50**
